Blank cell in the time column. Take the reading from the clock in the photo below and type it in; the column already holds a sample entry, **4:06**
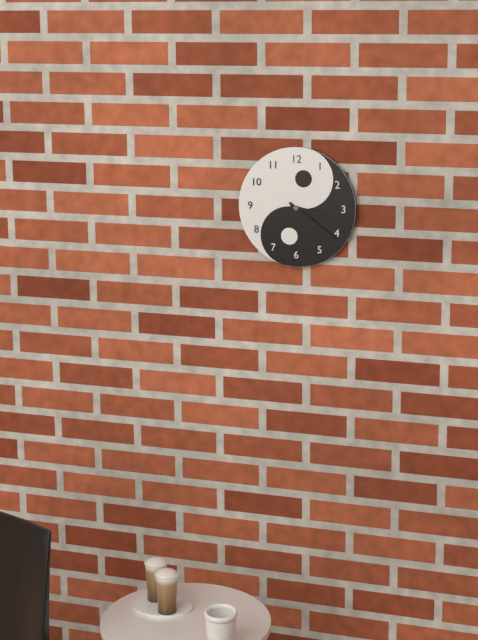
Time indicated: **3:21**
